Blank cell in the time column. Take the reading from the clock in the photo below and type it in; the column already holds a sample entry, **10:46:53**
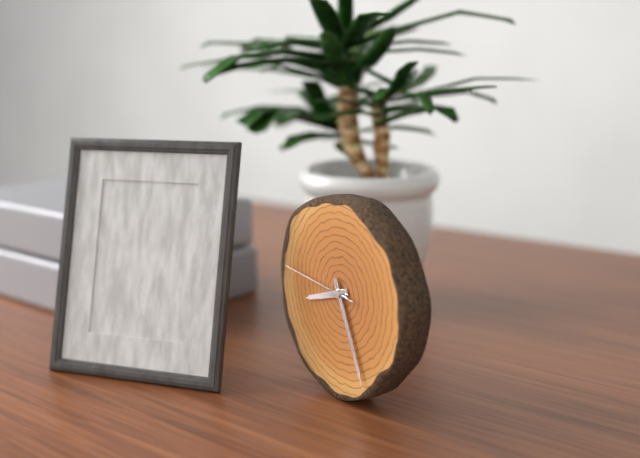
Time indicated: **8:26:46**
